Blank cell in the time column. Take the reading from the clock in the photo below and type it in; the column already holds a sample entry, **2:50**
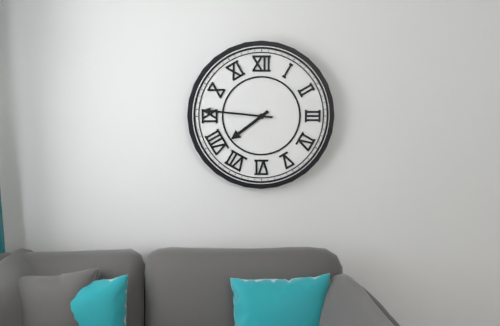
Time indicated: **7:46**
